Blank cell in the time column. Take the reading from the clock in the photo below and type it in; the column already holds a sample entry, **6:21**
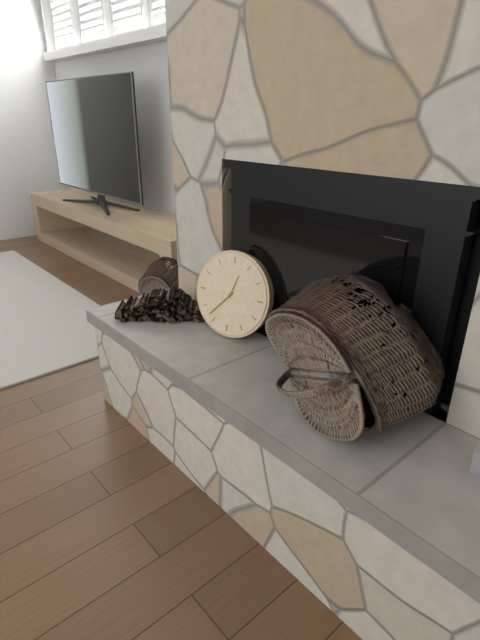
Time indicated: **12:37**
